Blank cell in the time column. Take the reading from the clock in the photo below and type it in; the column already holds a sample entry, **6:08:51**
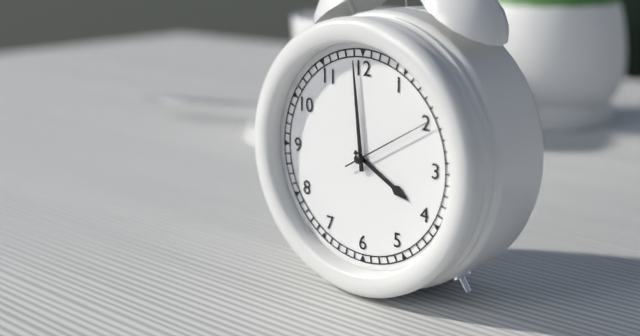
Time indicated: **3:59:10**
